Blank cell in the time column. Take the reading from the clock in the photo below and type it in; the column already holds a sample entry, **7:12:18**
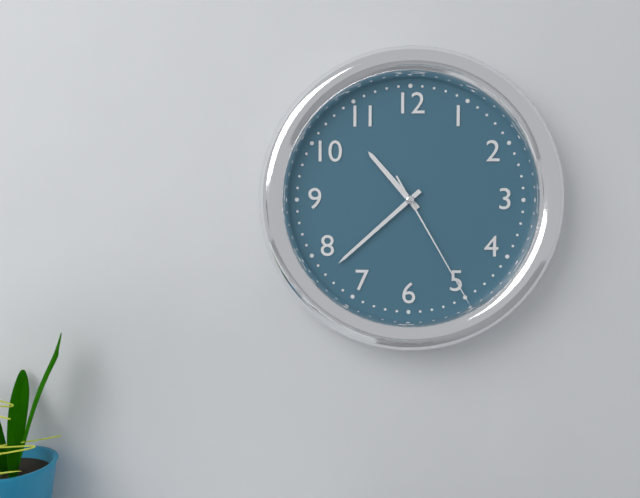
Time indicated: **10:38:25**
